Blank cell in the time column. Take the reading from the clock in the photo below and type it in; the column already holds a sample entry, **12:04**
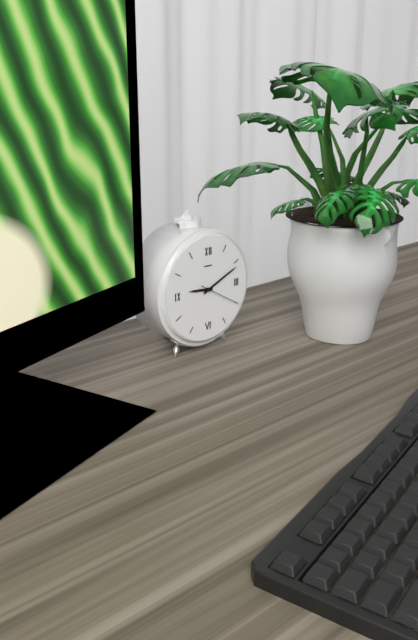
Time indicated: **9:11**
